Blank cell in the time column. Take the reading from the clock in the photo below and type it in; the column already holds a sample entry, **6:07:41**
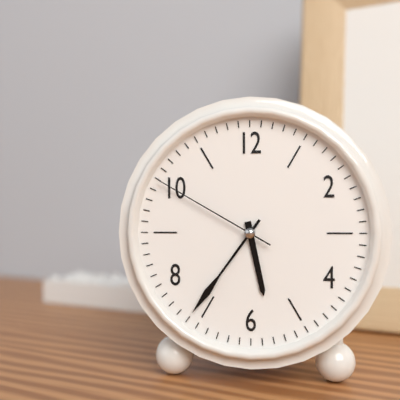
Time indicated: **5:36:50**
